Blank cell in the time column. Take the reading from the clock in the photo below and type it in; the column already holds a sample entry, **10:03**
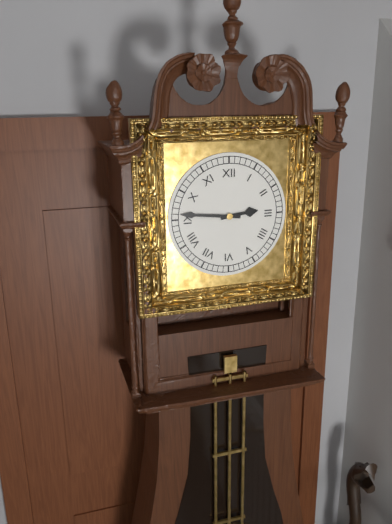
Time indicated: **2:46**
